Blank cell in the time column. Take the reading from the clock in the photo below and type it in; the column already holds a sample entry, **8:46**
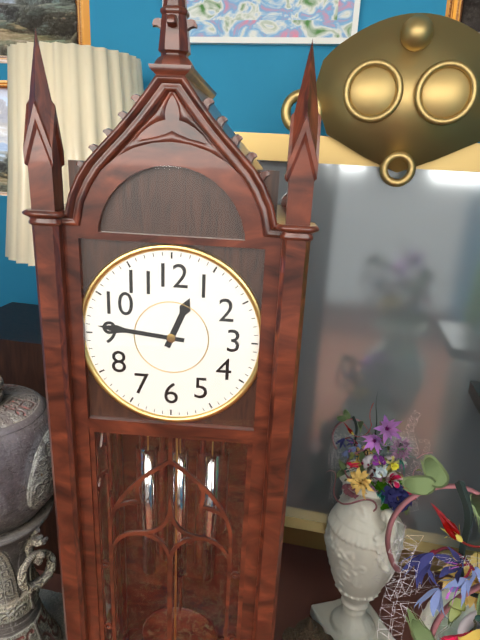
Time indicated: **12:46**
